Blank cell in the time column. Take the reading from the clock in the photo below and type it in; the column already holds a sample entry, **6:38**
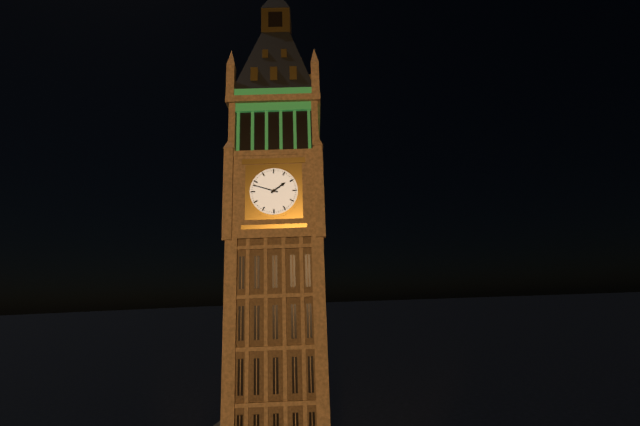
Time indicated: **1:48**
